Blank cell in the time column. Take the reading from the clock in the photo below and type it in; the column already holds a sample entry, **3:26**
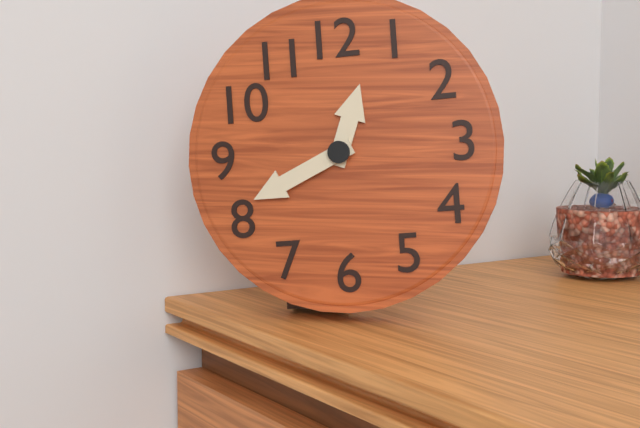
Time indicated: **12:41**
